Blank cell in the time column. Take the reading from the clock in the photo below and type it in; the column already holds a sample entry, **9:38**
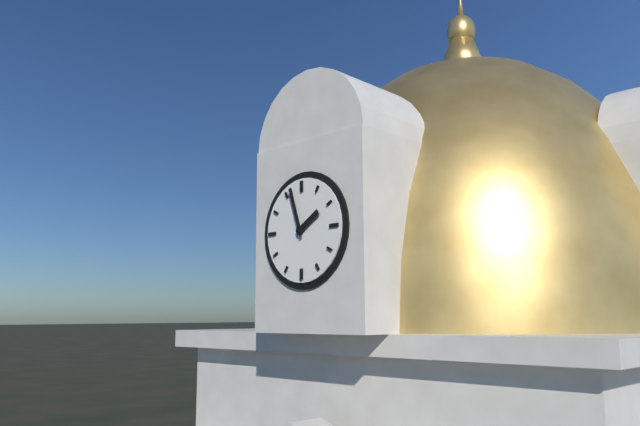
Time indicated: **1:57**
